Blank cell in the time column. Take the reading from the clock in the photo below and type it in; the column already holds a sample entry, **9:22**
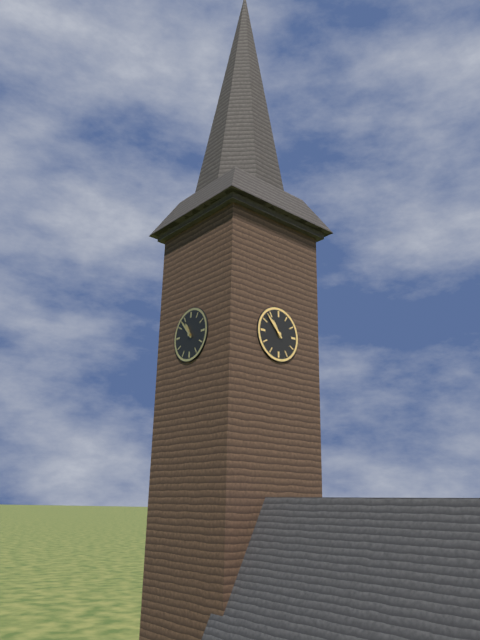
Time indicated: **10:53**
